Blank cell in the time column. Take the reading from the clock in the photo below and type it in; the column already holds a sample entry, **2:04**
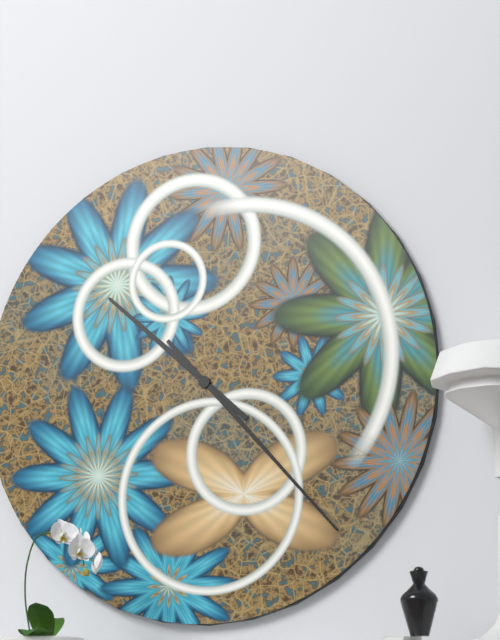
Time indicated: **10:23**
